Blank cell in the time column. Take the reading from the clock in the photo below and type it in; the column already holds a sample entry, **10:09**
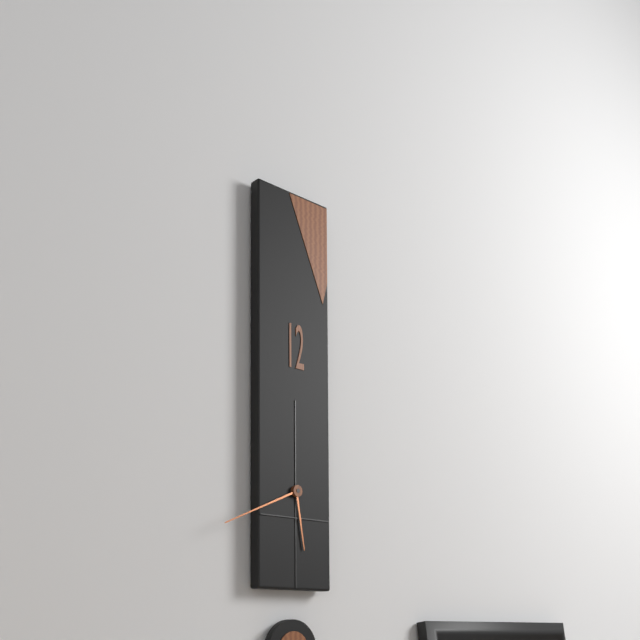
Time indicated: **5:41**
